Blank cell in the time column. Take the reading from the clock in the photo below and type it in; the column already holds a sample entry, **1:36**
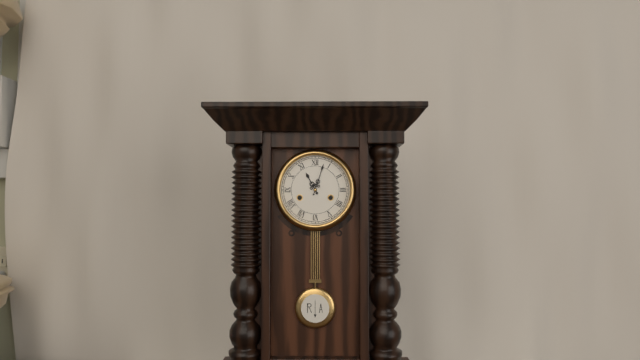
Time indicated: **11:03**
